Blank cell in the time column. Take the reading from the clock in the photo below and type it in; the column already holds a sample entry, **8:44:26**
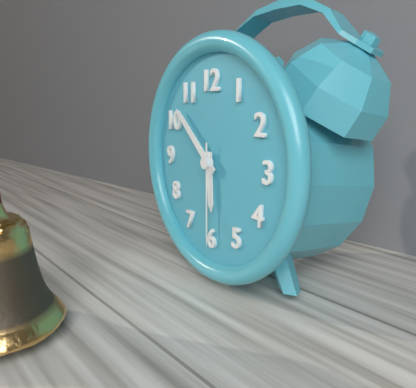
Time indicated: **5:52:30**
